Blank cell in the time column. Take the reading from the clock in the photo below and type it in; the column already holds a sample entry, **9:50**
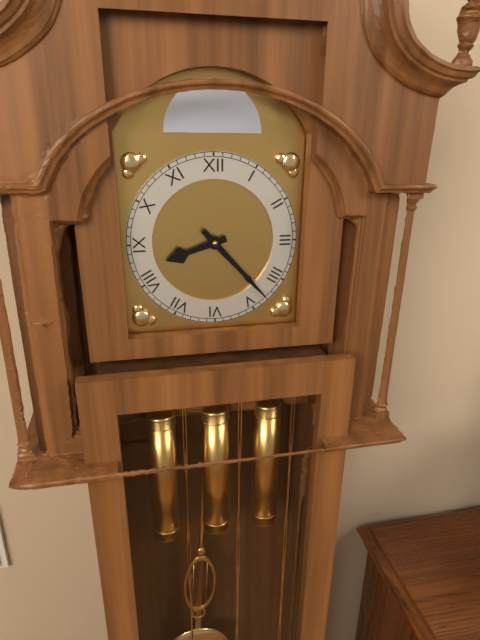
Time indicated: **8:23**
